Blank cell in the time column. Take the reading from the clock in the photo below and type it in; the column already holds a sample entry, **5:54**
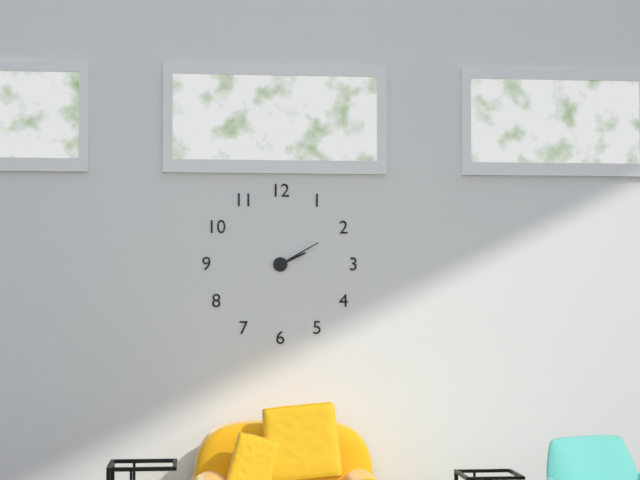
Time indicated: **2:10**
